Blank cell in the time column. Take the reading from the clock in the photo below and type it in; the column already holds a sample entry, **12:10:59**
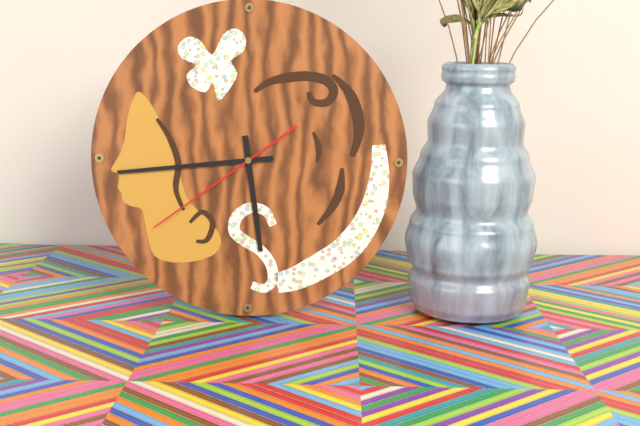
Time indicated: **5:44:39**
